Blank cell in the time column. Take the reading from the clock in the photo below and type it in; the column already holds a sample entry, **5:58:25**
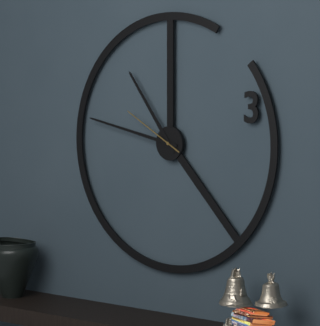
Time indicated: **10:47:50**
